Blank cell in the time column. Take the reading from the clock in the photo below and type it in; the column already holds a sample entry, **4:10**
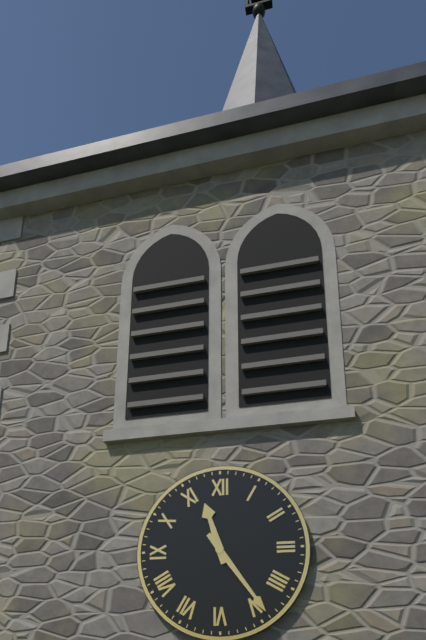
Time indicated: **11:24**
